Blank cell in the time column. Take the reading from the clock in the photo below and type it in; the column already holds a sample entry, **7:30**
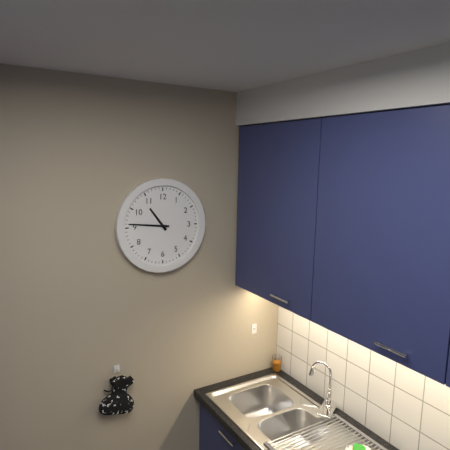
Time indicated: **10:46**
